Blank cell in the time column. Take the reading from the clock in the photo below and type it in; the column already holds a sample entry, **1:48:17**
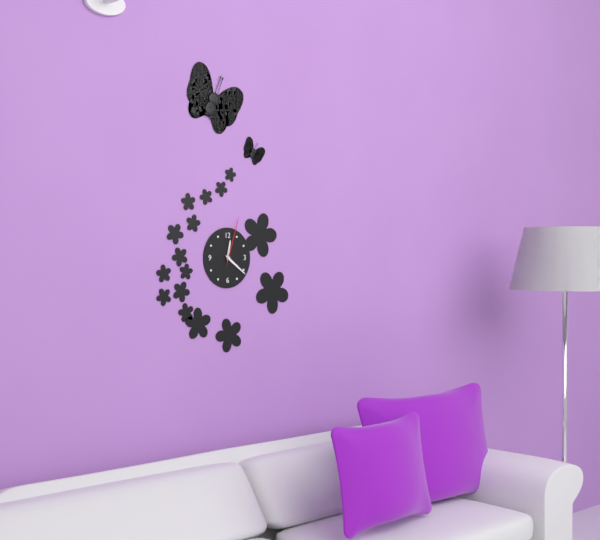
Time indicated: **12:21:03**
